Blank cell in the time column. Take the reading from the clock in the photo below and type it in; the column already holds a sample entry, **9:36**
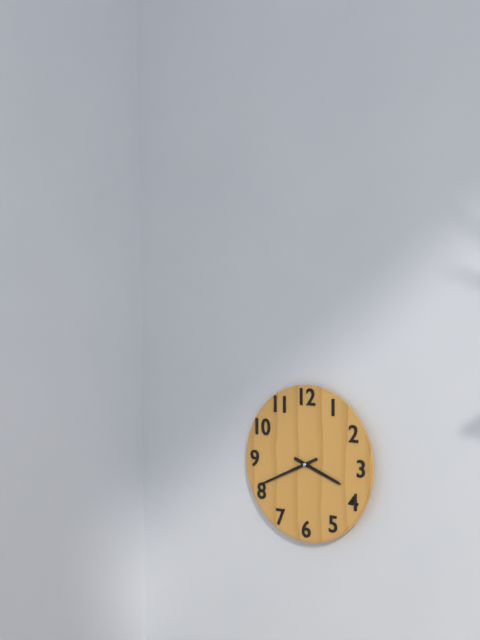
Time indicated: **3:41**
